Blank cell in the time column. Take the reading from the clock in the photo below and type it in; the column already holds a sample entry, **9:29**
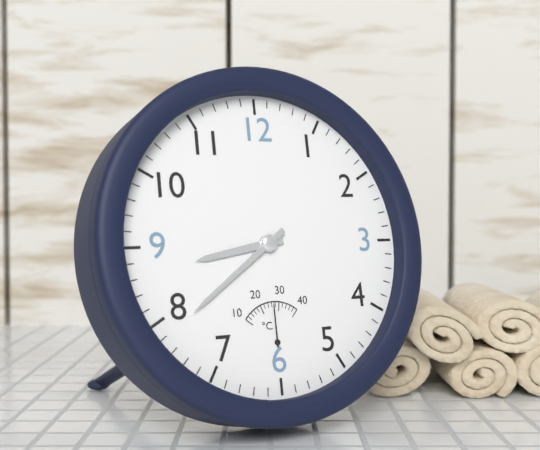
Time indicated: **8:39**
